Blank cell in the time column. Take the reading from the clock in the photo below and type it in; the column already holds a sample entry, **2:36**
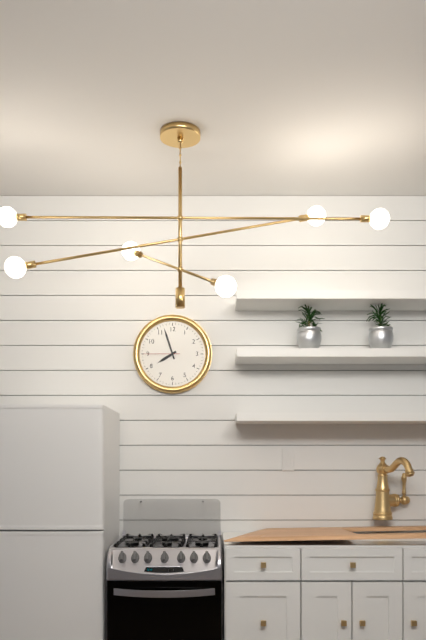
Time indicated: **7:57**
